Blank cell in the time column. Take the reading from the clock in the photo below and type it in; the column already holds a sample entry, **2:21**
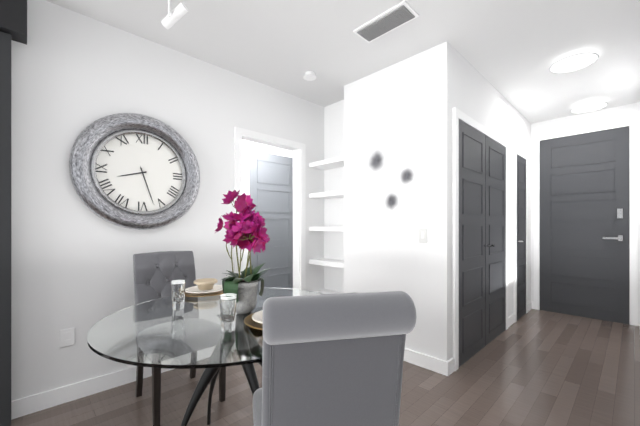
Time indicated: **8:27**
